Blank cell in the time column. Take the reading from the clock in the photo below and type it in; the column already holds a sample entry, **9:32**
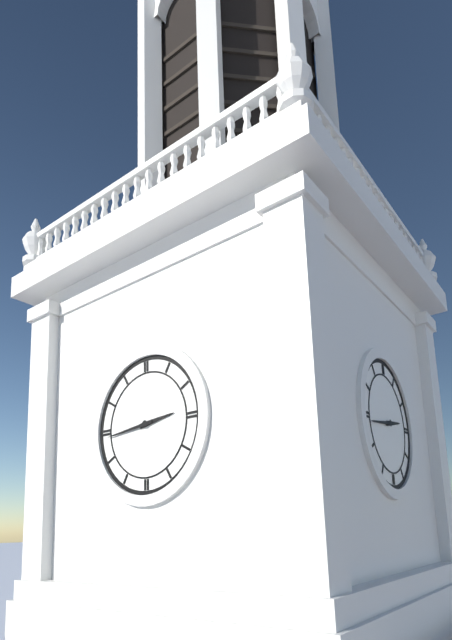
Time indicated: **2:44**
